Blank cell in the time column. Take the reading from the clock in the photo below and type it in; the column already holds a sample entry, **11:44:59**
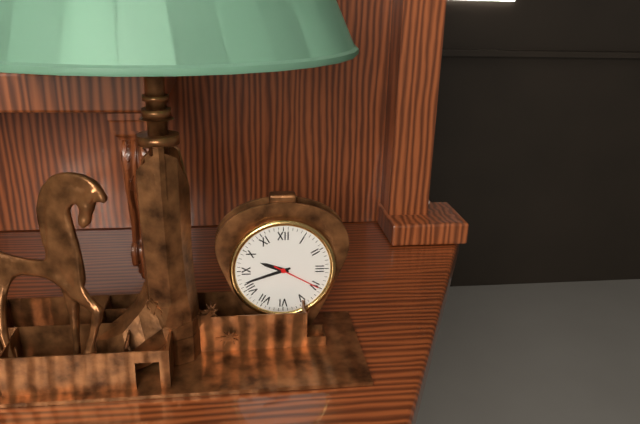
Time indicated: **9:42:20**
